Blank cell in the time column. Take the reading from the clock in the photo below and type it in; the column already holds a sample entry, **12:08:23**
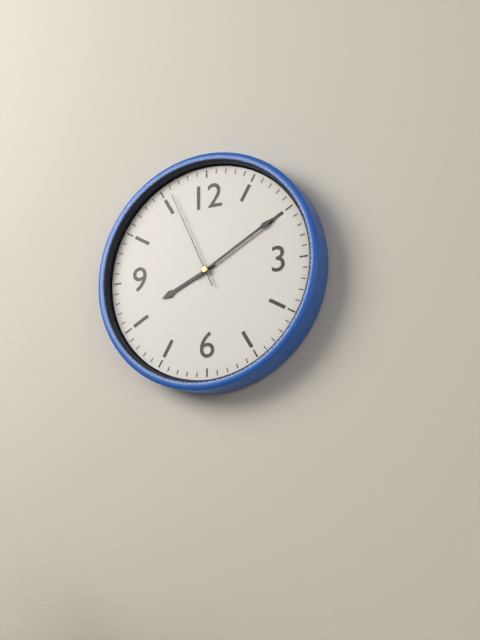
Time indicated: **8:10:56**
